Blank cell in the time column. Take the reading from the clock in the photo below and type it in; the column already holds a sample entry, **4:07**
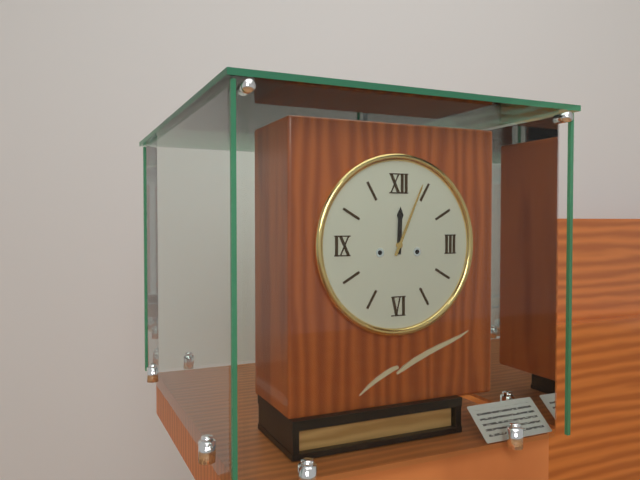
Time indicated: **12:04**
